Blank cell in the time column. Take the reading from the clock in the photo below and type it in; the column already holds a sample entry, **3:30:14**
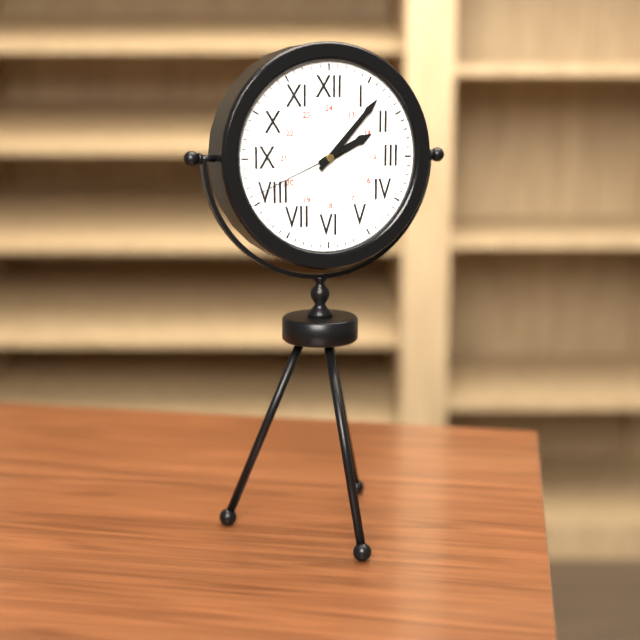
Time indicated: **2:07:41**
